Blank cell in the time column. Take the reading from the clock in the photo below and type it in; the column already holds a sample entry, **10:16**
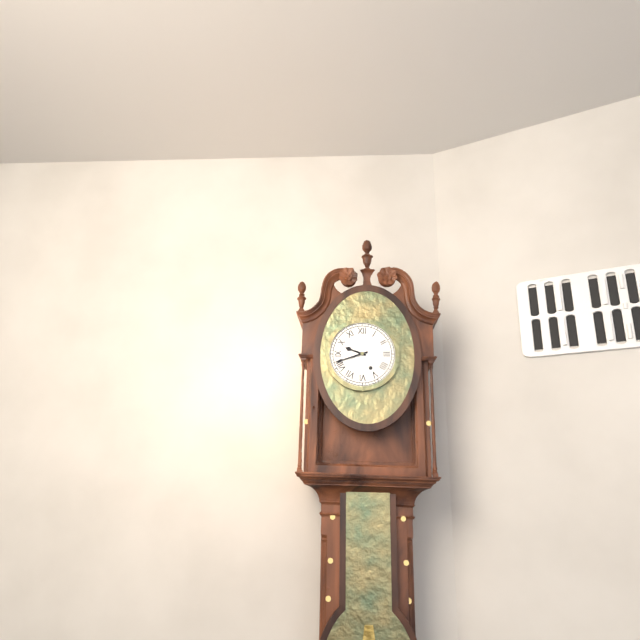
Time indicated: **9:42**
